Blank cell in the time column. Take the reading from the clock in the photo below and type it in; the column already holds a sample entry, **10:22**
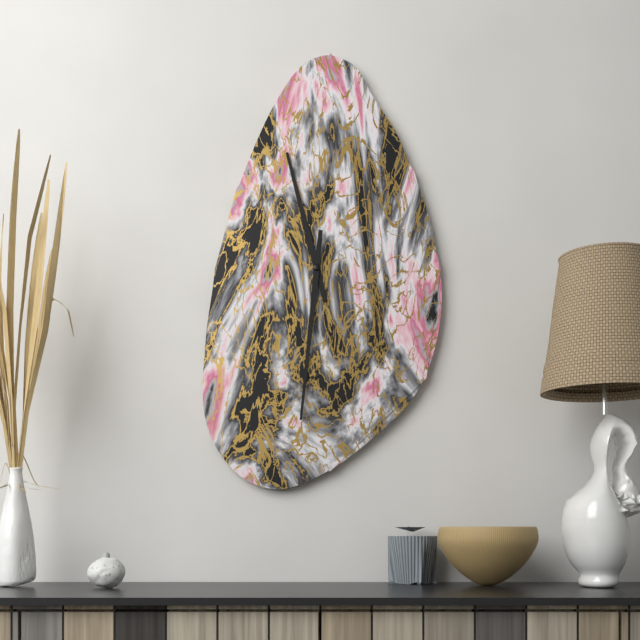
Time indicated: **11:31**
